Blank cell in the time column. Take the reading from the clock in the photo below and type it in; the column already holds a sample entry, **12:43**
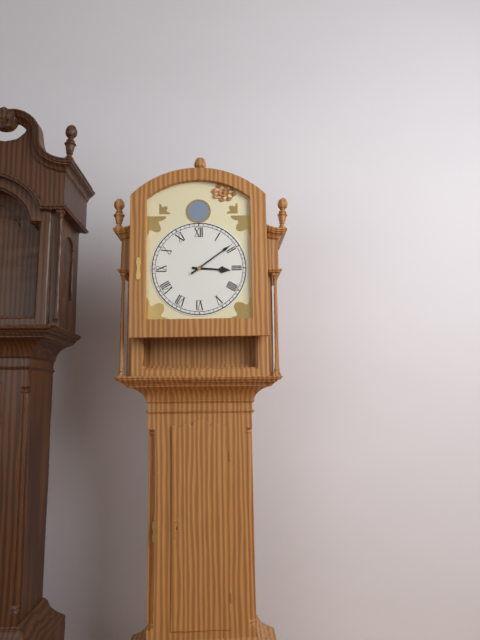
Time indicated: **3:09**
